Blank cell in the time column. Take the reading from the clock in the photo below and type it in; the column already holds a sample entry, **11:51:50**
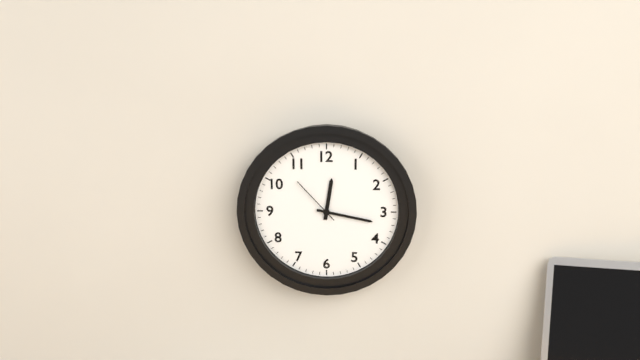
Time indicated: **12:17:53**
